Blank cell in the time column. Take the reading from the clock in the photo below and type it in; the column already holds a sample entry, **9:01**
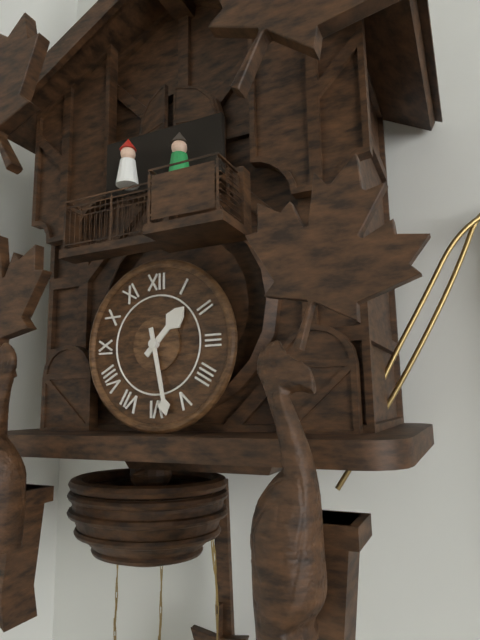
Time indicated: **1:28**
